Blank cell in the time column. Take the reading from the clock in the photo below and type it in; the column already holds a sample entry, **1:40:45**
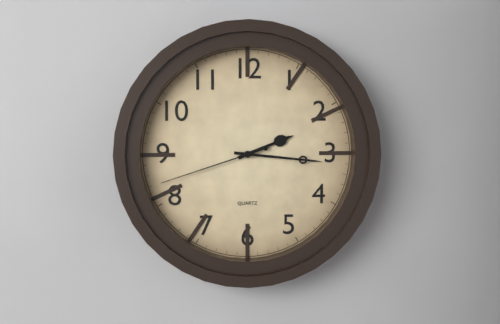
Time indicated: **2:16:42**
